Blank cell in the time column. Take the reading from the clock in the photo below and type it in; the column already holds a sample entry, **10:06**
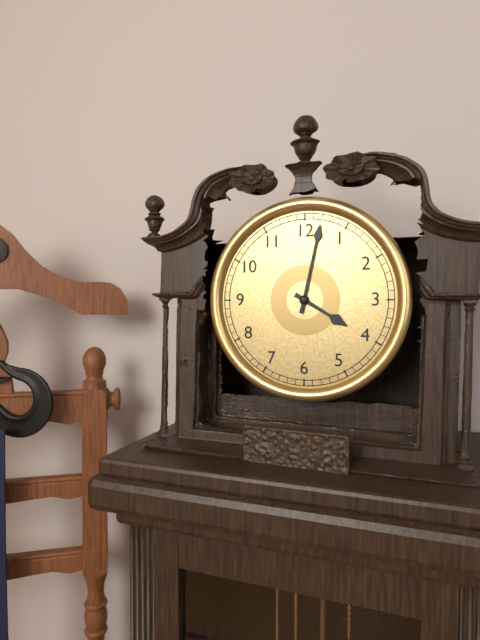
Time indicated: **4:02**
